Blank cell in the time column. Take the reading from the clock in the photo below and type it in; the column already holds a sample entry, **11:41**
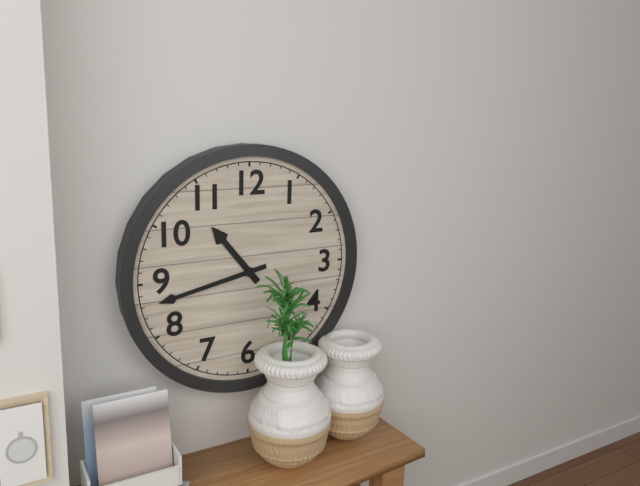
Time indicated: **10:43**
